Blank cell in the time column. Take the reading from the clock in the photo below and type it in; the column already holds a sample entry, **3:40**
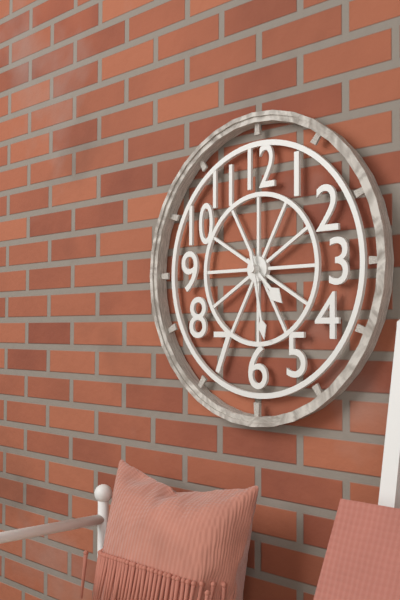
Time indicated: **4:28**
